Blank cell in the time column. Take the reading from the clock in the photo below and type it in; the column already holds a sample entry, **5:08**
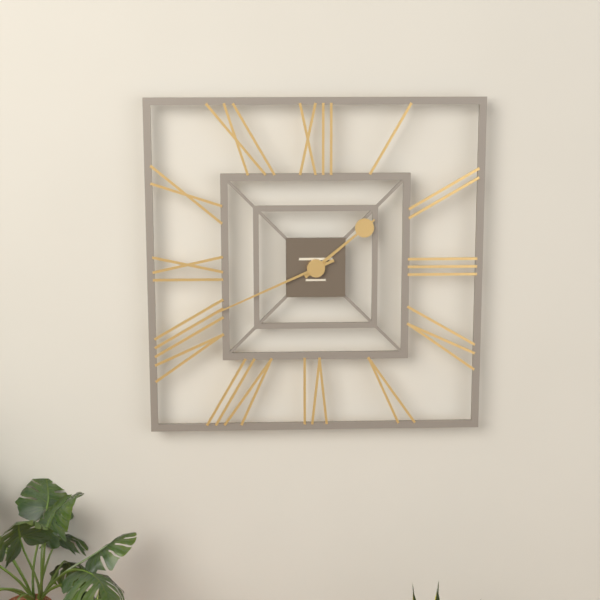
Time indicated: **1:41**
